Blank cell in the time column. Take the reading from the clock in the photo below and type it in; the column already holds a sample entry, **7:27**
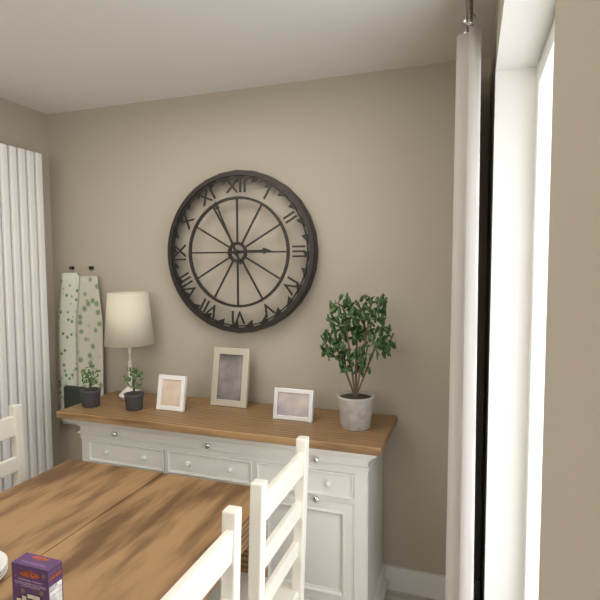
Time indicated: **2:56**
